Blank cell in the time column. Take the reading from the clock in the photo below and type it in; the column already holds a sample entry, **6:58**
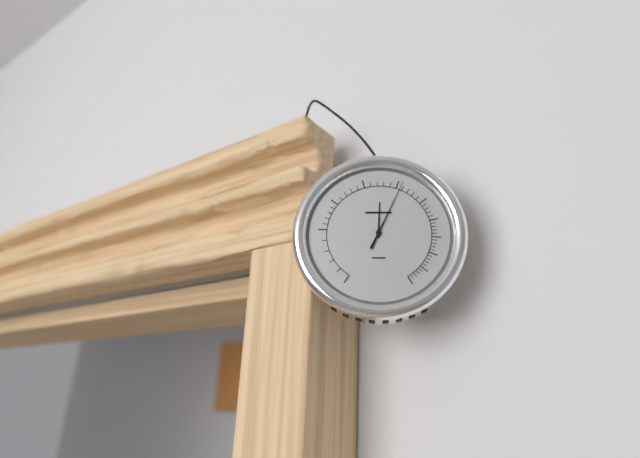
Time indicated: **12:04**
